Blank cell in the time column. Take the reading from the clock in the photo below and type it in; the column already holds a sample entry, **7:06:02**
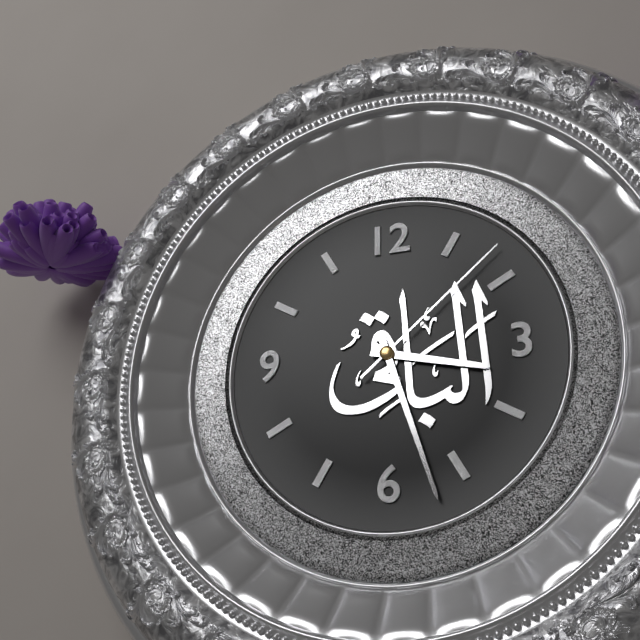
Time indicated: **3:27:08**
